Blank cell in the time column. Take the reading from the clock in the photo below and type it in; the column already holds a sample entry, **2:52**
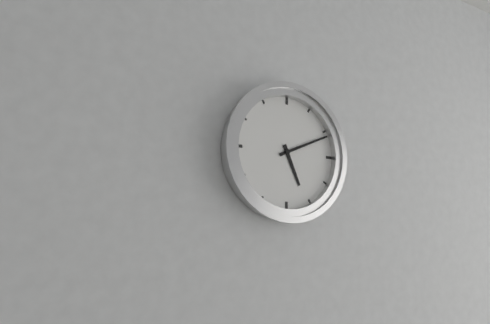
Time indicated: **5:11**
